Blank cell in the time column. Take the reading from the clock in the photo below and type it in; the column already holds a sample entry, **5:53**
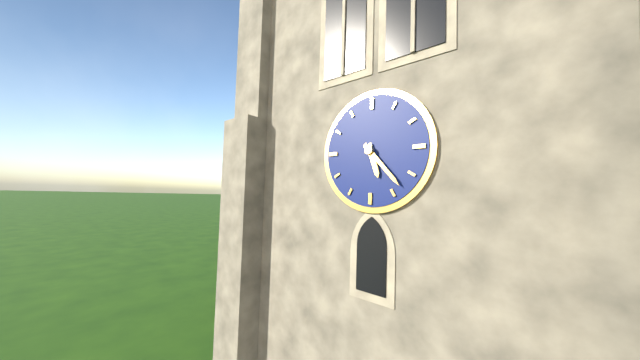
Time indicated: **5:23**
